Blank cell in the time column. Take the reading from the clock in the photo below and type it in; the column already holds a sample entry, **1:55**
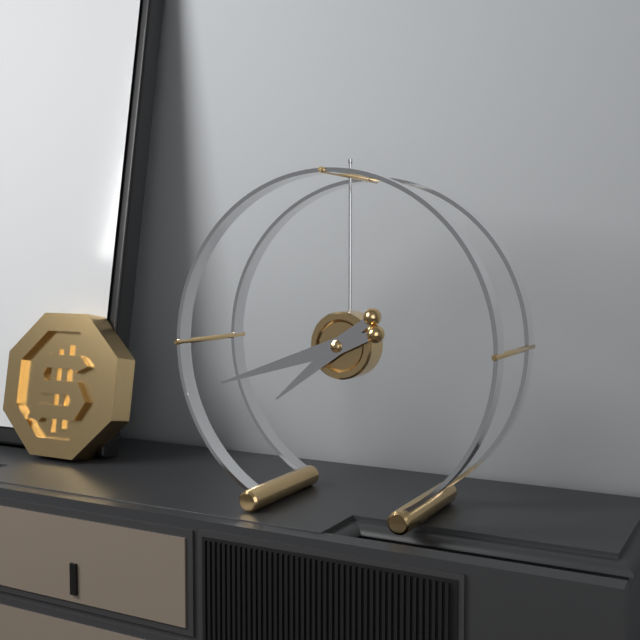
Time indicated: **7:42**
